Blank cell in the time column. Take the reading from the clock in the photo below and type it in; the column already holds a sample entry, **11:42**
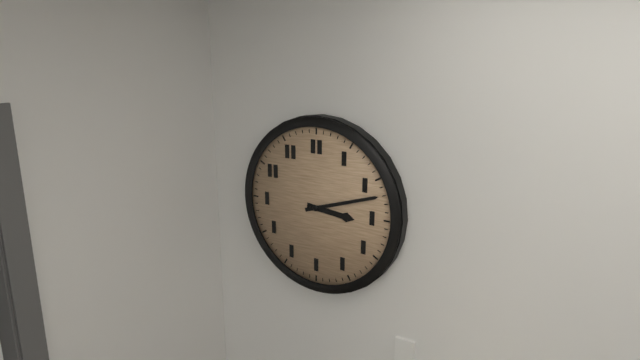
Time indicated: **3:12**
